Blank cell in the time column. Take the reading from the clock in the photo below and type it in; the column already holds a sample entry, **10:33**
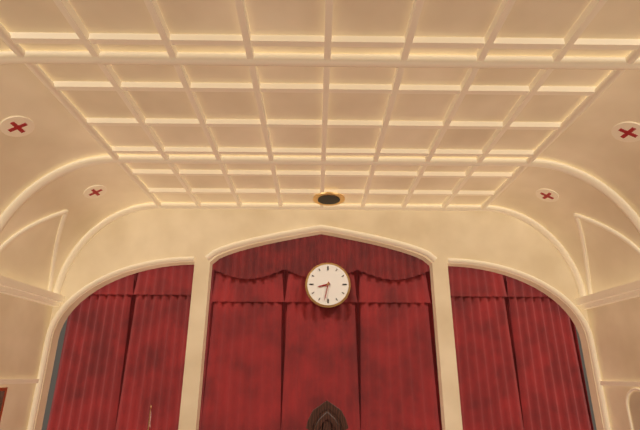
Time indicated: **8:32**
